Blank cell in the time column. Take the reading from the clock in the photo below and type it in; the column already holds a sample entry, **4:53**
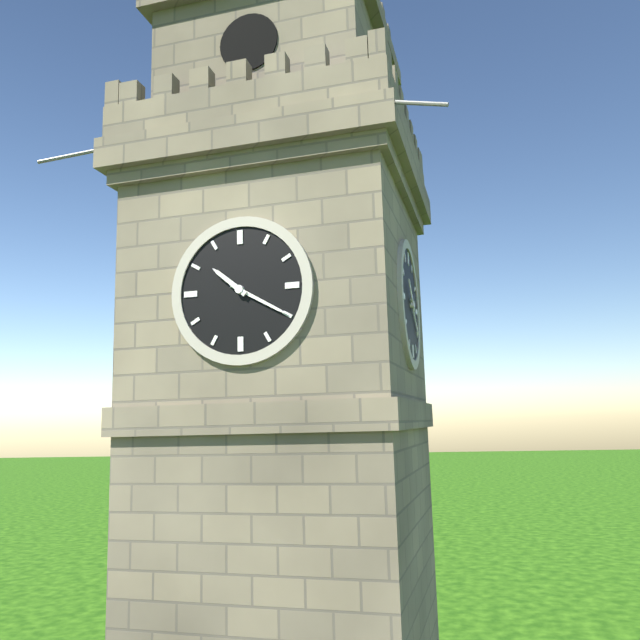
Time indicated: **10:20**
